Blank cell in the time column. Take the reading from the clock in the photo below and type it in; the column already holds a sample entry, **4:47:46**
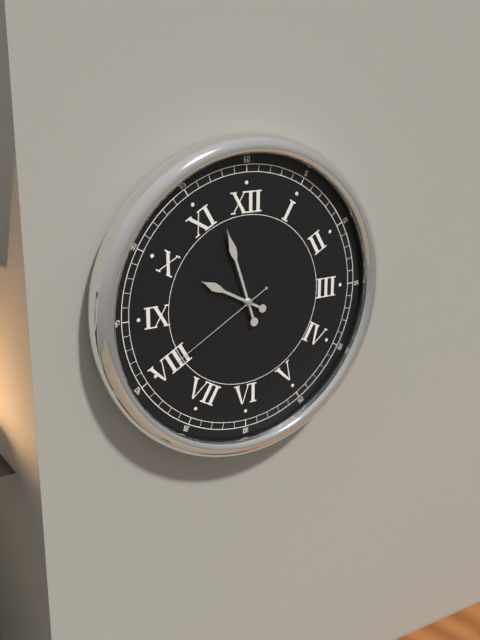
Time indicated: **9:57:40**
